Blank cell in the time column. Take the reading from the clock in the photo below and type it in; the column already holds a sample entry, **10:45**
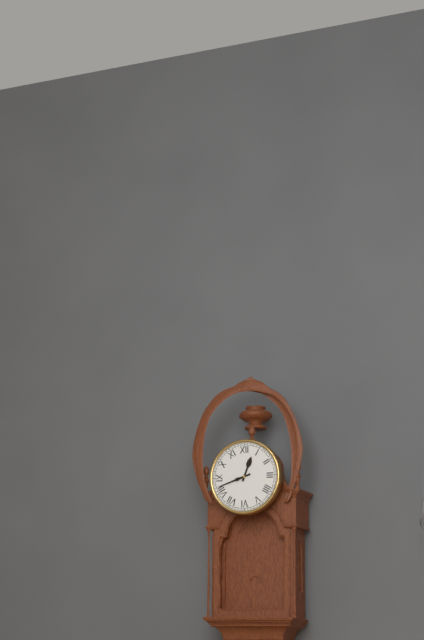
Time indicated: **12:42**
